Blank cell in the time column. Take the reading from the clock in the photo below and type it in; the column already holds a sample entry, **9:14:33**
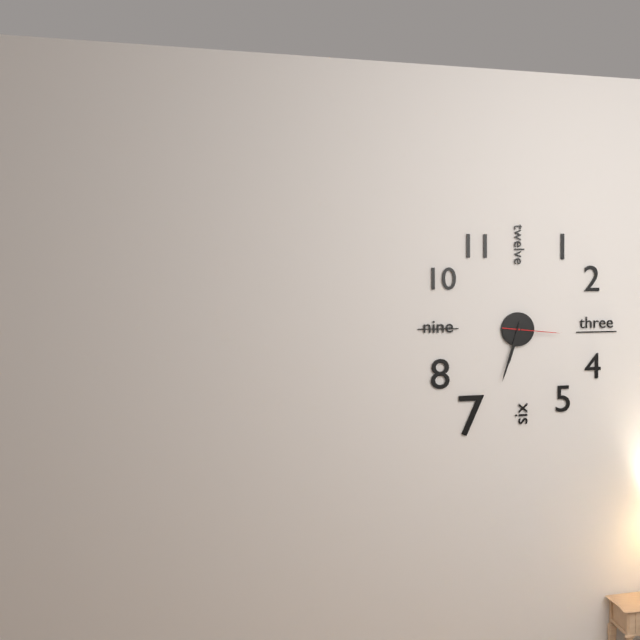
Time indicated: **6:33:16**
